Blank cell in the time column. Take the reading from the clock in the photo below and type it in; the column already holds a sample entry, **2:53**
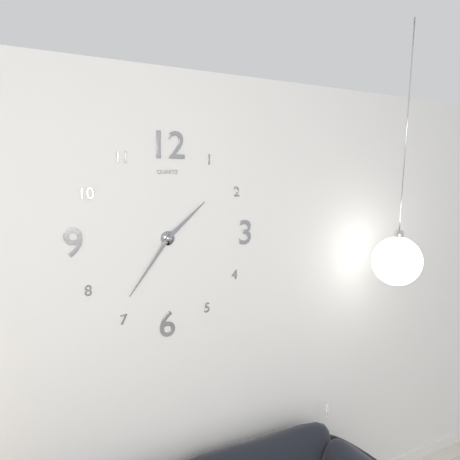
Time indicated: **1:36**
